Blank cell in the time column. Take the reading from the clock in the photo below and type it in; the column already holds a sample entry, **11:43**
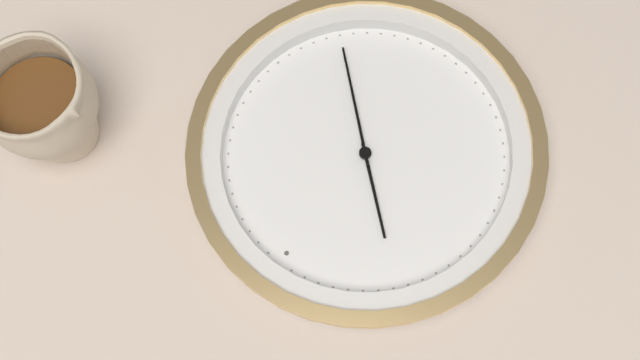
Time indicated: **10:22**
